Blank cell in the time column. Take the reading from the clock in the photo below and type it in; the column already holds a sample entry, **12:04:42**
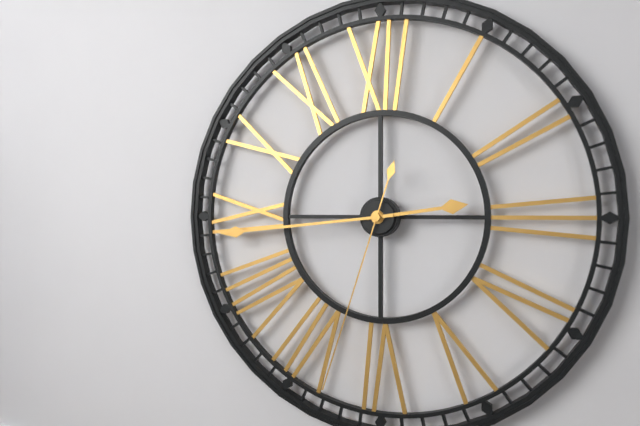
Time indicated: **2:44:33**
